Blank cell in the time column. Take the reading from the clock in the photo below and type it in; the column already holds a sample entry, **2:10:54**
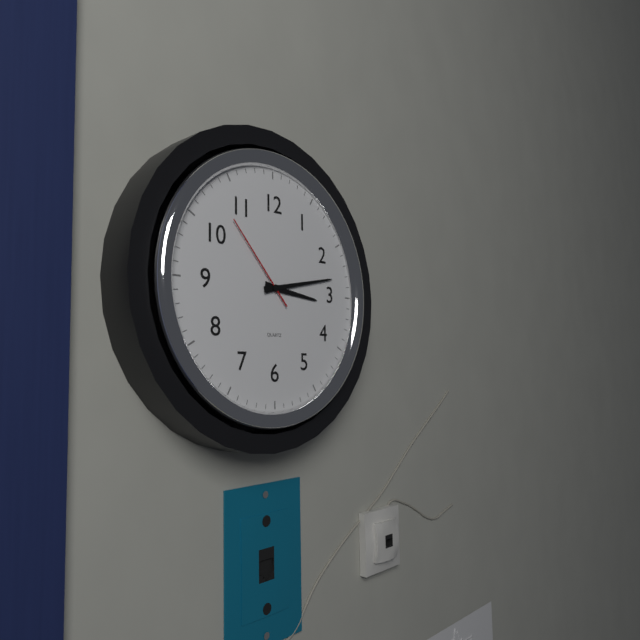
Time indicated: **3:13:53**
